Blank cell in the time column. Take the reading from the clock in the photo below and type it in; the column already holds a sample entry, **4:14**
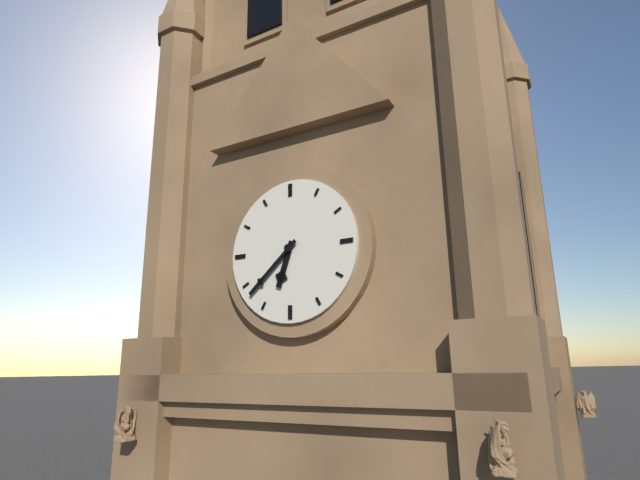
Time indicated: **6:38**
